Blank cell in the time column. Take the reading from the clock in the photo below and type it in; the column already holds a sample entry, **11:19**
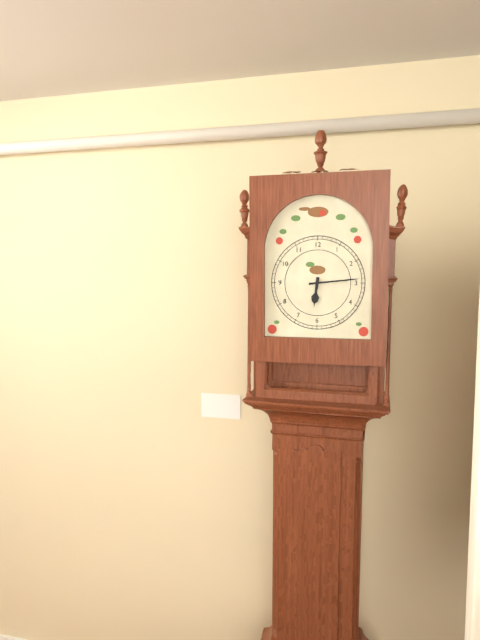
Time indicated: **6:14**
